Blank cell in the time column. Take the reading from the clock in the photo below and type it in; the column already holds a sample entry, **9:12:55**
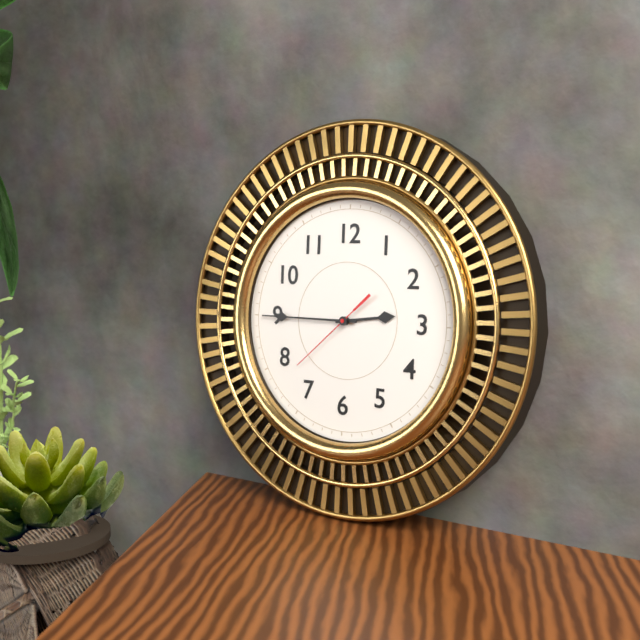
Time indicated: **2:45:38**
